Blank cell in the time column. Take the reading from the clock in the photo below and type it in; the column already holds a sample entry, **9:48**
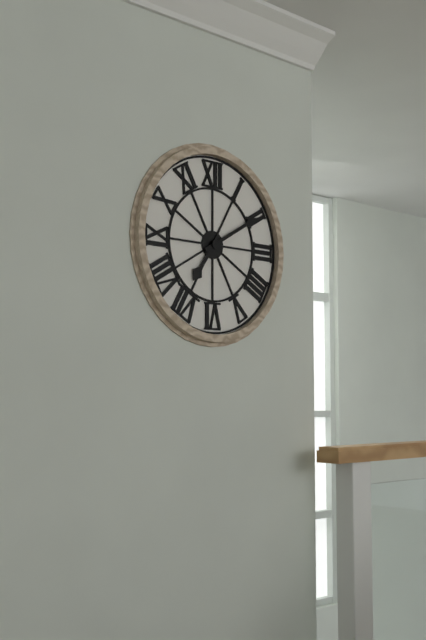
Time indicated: **7:10**
